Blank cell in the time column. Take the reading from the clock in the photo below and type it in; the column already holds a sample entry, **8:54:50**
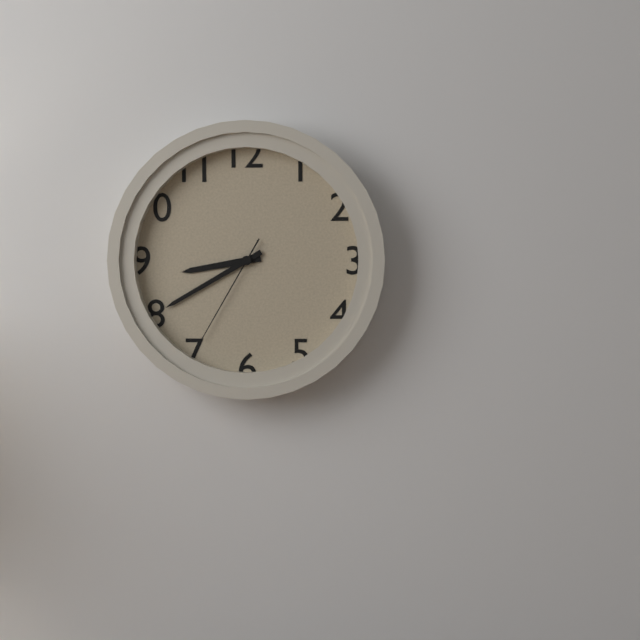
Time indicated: **8:40:35**
